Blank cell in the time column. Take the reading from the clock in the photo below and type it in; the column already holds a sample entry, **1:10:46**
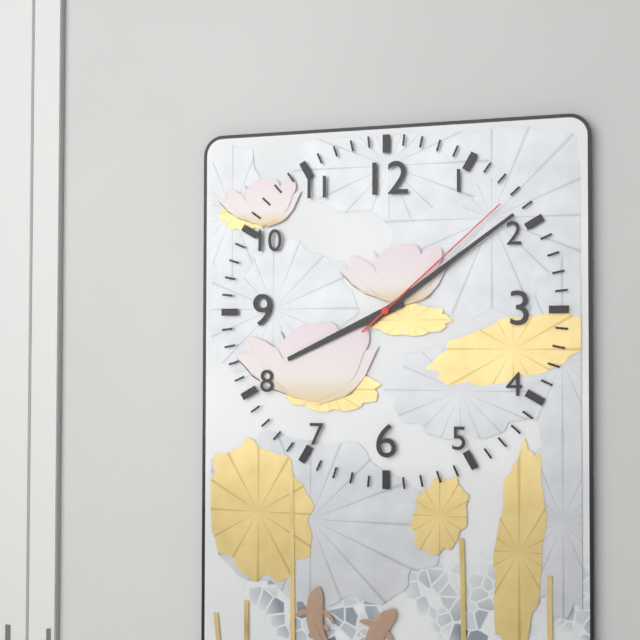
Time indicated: **8:09:08**
